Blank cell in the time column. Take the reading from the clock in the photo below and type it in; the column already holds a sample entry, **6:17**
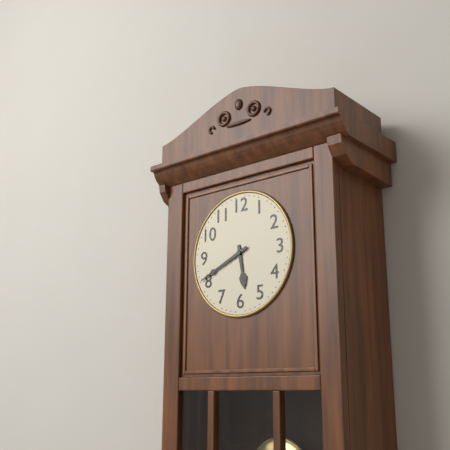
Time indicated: **5:41**
